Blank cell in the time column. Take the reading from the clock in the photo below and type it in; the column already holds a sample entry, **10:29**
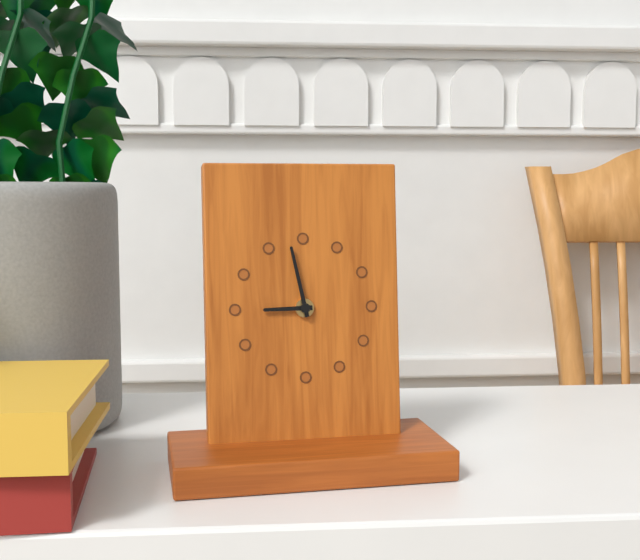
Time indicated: **8:58**
